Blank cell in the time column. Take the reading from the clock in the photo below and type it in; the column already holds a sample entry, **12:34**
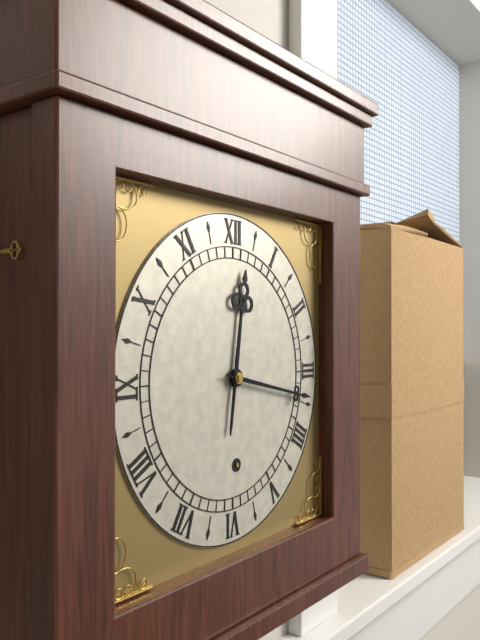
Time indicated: **12:17**
